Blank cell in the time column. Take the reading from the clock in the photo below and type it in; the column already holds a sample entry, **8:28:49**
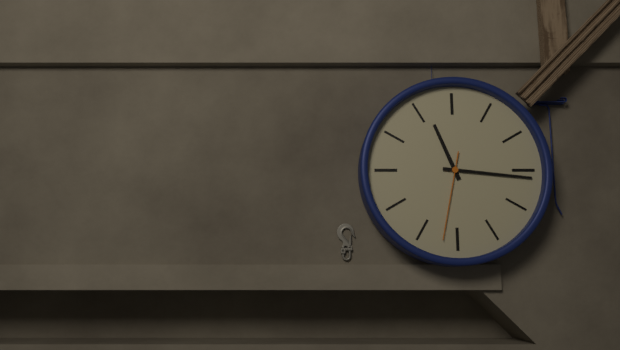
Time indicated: **11:16:32**
